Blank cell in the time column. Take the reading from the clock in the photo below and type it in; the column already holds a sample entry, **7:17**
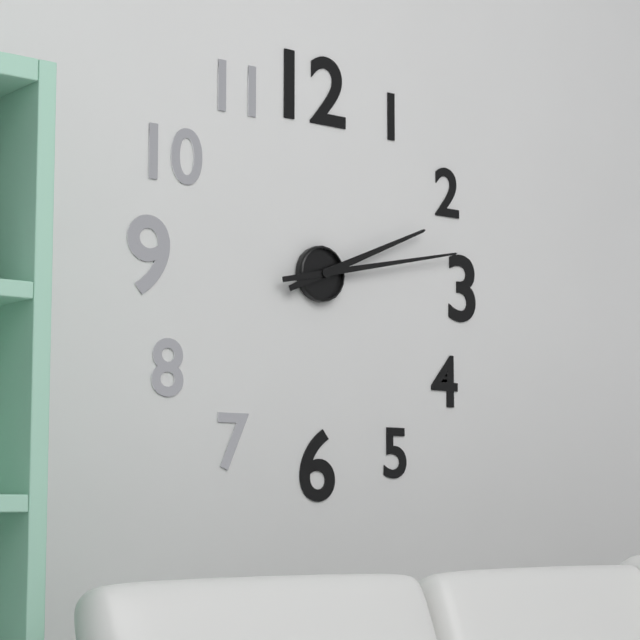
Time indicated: **2:13**
